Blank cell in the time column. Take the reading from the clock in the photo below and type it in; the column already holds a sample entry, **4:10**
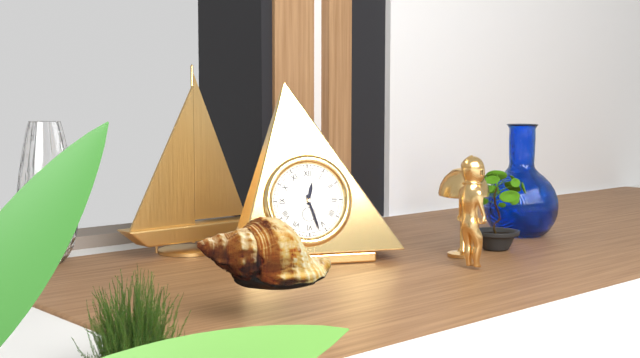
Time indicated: **12:27**
